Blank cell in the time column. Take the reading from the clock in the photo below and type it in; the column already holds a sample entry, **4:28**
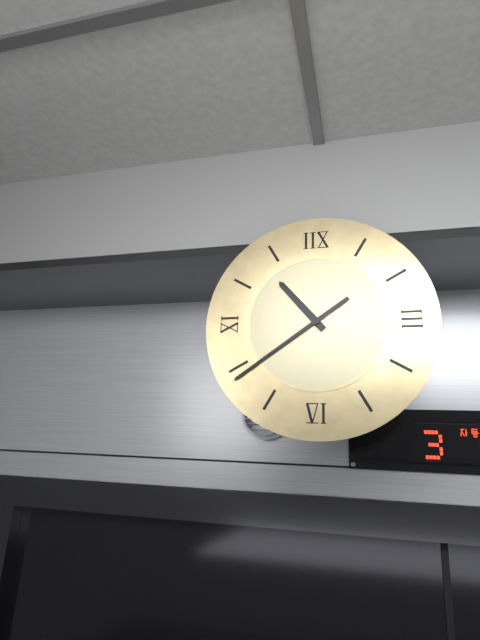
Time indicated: **10:39**
